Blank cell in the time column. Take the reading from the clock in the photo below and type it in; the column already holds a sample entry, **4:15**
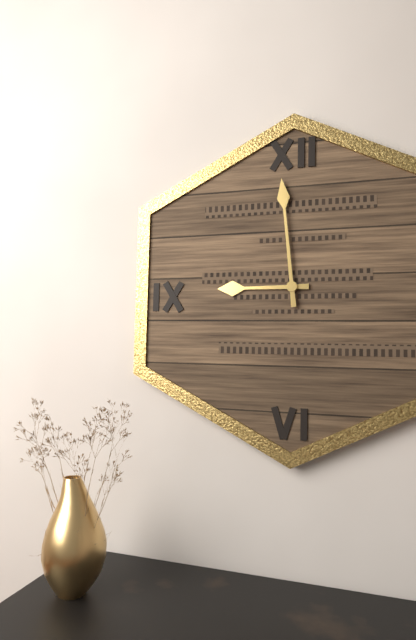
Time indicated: **8:59**
